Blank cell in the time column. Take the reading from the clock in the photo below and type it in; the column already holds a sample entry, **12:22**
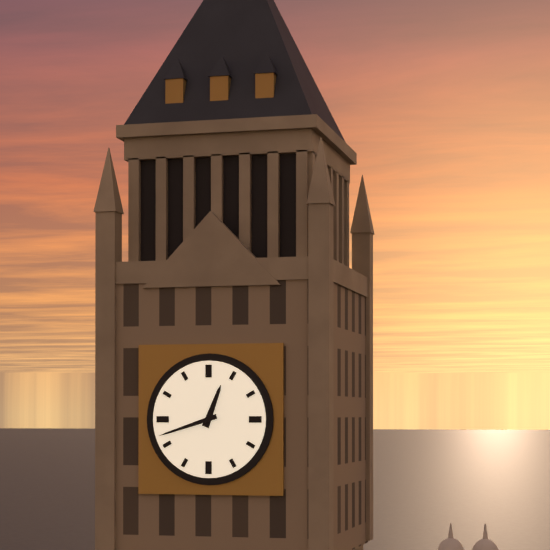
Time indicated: **12:42**
